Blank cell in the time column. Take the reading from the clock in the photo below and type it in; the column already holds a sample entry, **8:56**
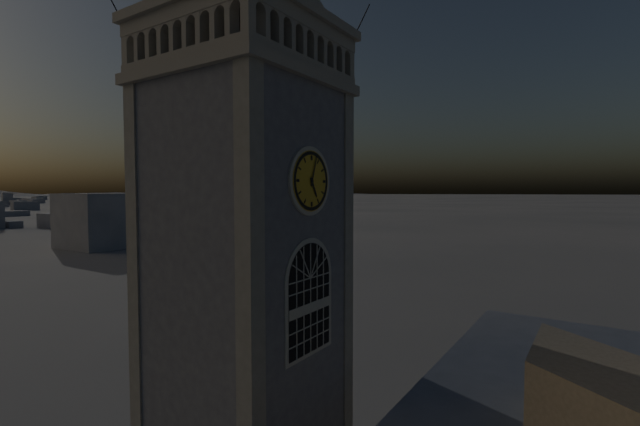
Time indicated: **5:03**
